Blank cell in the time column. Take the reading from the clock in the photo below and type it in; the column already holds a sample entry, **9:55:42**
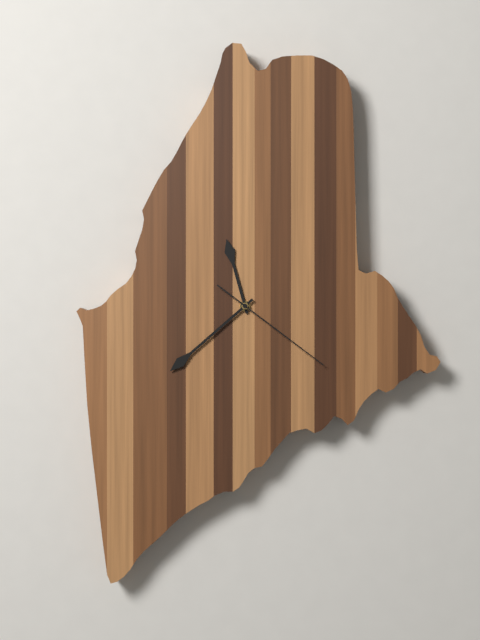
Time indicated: **11:39:22**
